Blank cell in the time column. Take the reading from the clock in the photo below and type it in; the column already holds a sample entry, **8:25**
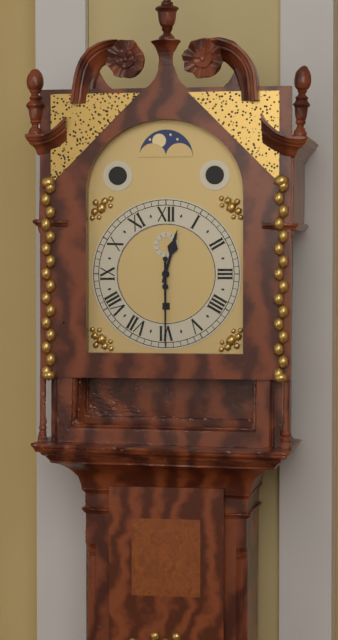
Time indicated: **12:30**
